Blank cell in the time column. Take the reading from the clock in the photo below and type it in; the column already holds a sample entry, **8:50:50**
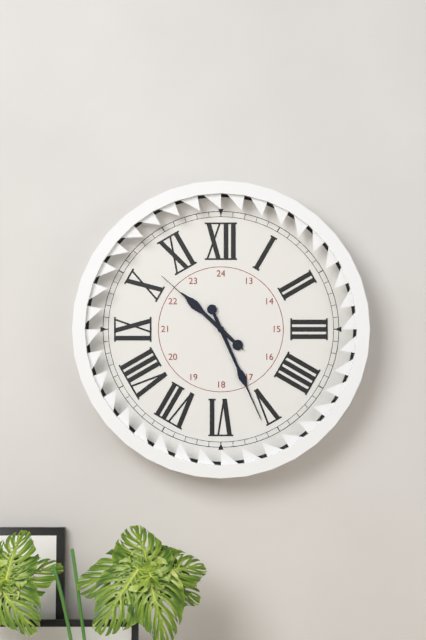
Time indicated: **10:26:52**
